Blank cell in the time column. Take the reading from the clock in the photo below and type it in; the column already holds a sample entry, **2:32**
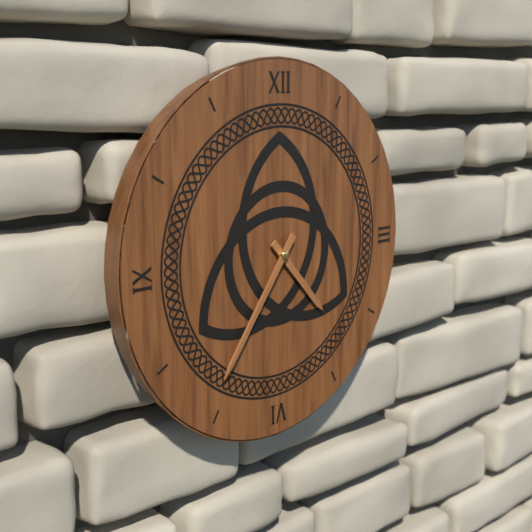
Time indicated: **4:36**
